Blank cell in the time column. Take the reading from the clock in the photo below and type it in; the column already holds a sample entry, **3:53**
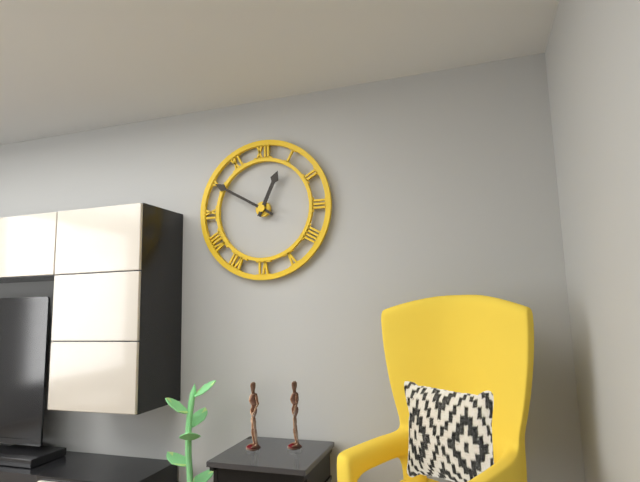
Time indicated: **12:50**
